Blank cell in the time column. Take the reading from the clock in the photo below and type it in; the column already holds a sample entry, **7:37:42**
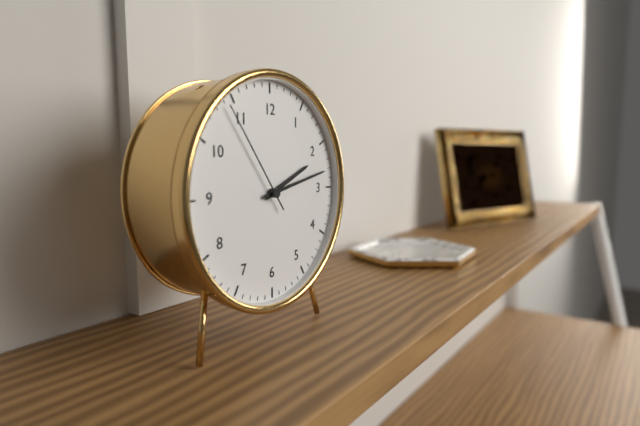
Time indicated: **2:13:54**
